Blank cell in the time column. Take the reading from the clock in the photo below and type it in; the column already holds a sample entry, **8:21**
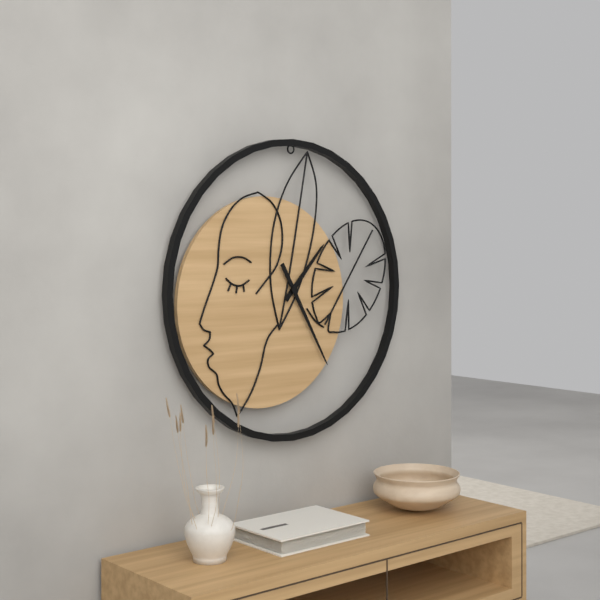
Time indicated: **1:25**
